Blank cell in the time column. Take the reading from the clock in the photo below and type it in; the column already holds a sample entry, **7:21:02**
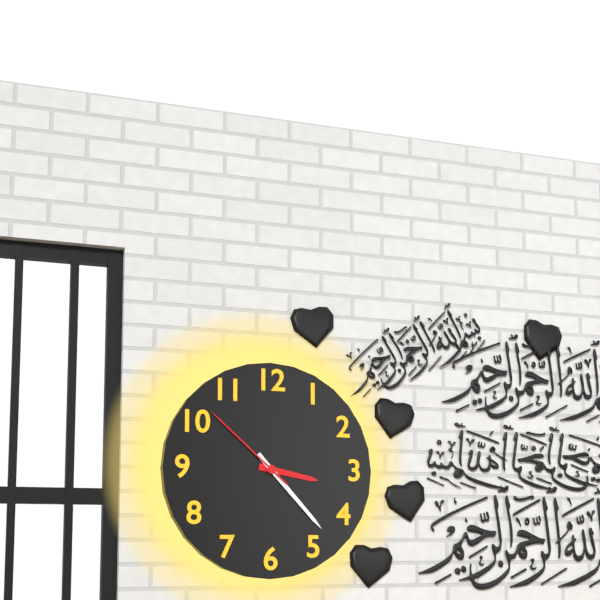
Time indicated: **3:23:52**
